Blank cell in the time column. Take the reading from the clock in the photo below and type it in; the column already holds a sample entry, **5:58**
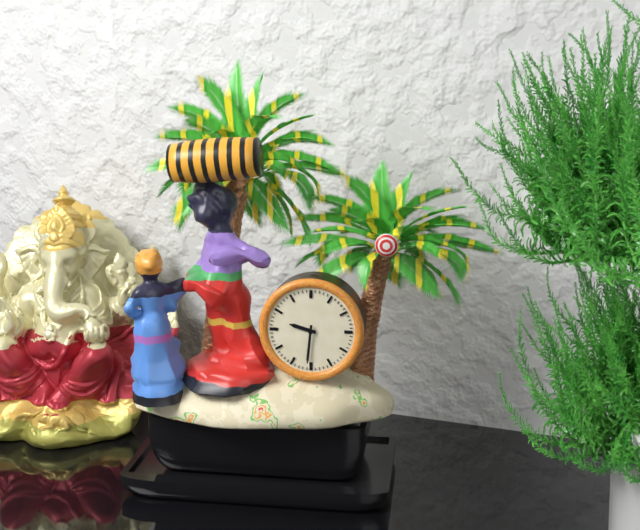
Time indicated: **9:31**
